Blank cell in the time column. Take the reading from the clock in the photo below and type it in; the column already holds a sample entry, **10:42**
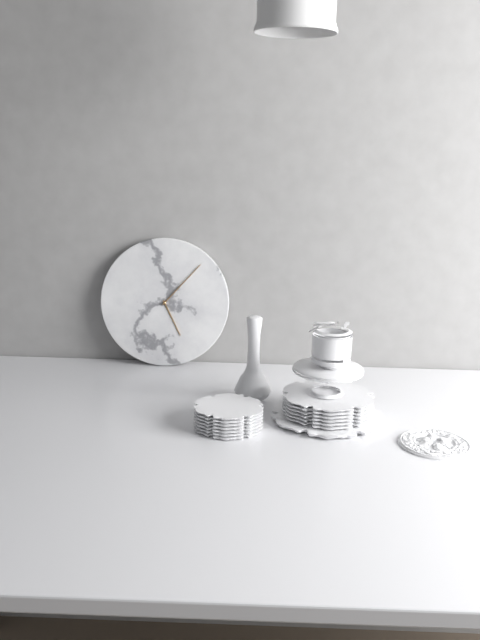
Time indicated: **5:07**
